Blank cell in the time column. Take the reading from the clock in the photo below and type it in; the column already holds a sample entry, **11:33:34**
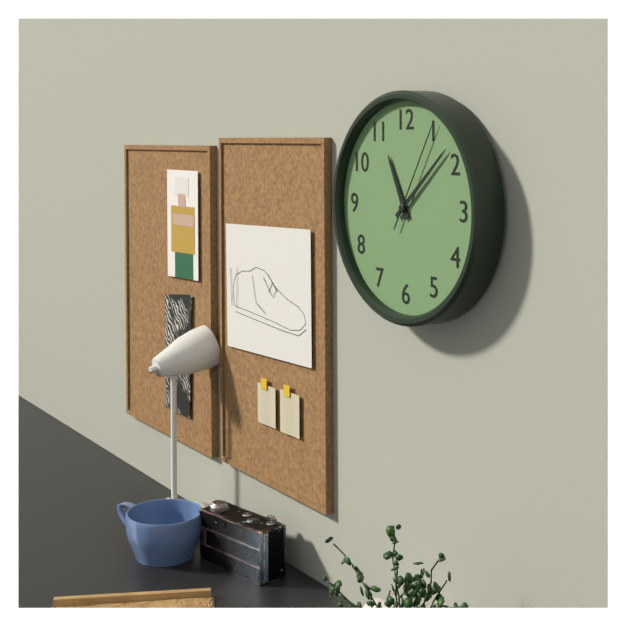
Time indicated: **11:08:05**
